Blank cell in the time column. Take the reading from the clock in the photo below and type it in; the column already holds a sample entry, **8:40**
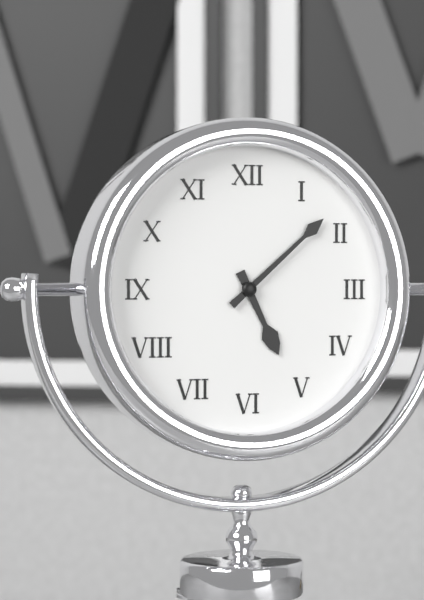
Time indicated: **5:08**
